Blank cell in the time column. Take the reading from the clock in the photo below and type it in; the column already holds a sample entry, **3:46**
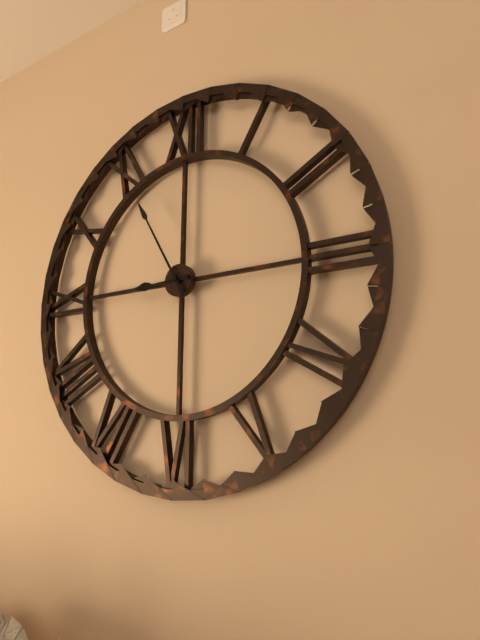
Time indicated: **8:55**
